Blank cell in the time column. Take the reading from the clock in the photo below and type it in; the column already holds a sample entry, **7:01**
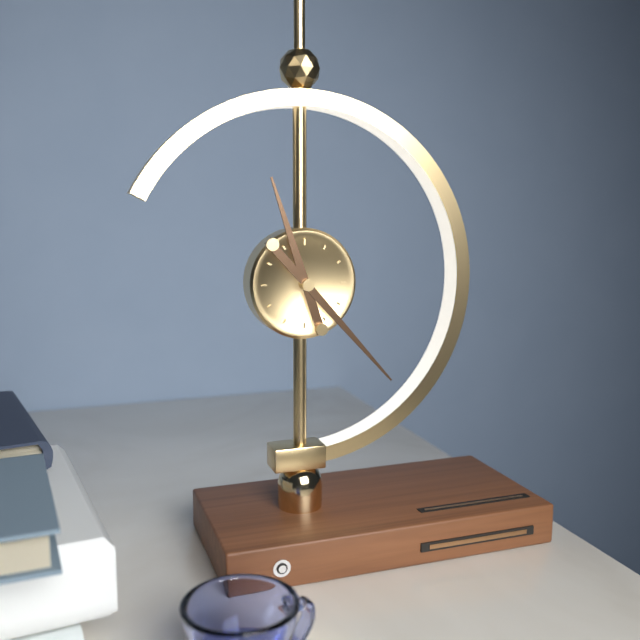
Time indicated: **11:23**
